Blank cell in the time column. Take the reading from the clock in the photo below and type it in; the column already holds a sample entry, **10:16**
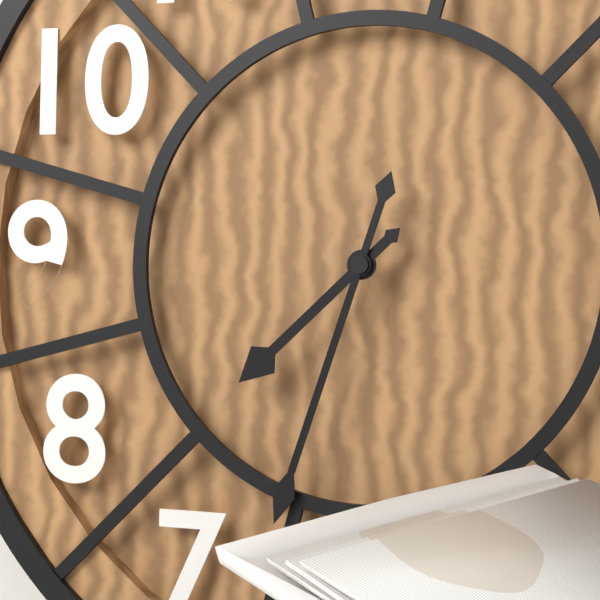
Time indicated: **7:33**
